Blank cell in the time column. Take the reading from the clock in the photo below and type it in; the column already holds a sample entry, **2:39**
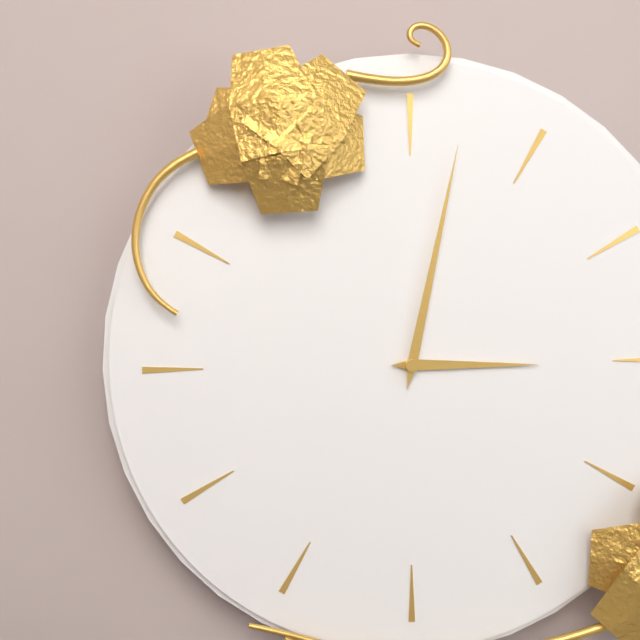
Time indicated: **3:02**
